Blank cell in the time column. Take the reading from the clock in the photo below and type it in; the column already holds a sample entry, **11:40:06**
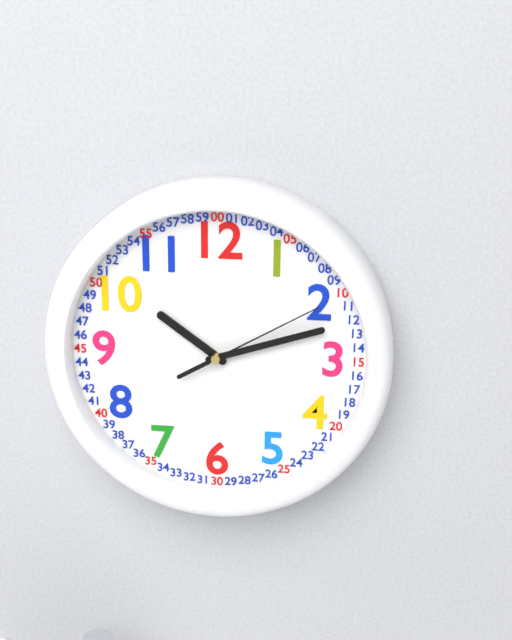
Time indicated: **10:12:10**
